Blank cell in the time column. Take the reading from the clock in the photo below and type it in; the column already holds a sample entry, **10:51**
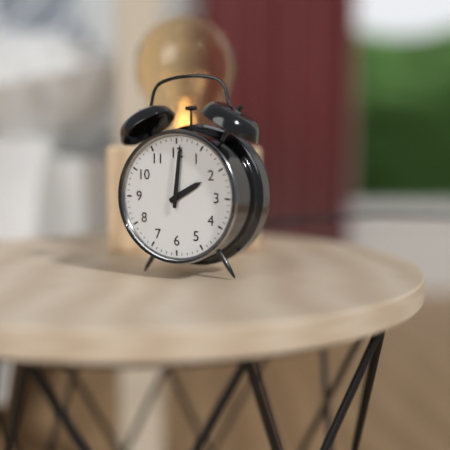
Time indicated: **2:01**
